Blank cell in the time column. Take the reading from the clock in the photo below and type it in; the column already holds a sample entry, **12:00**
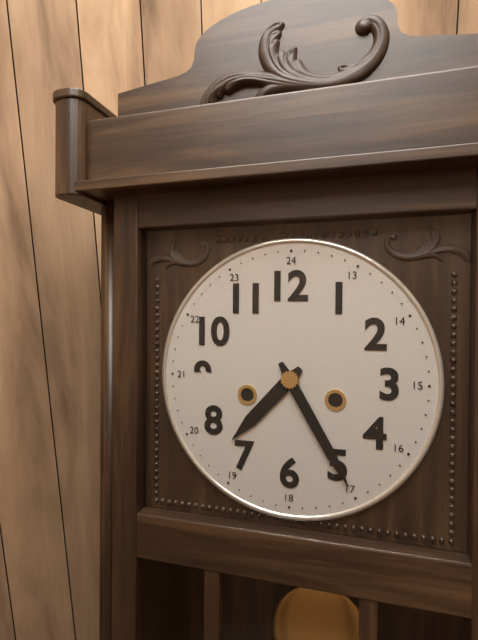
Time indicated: **7:25**
